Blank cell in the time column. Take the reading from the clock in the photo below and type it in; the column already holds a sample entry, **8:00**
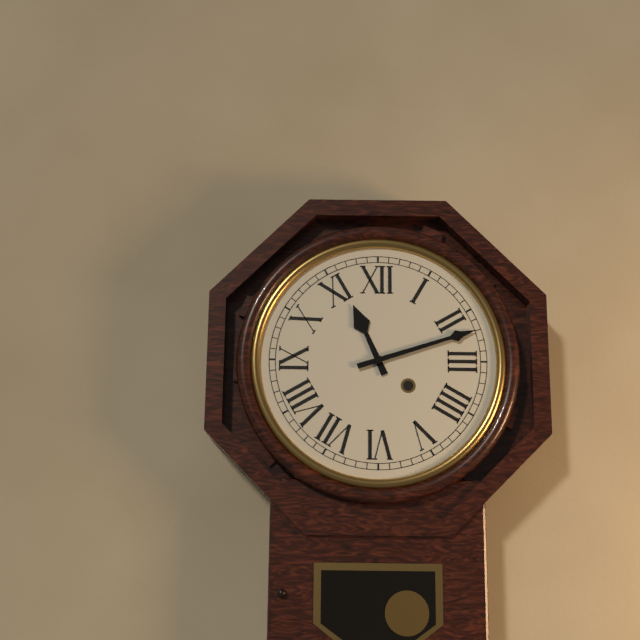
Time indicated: **11:12**
